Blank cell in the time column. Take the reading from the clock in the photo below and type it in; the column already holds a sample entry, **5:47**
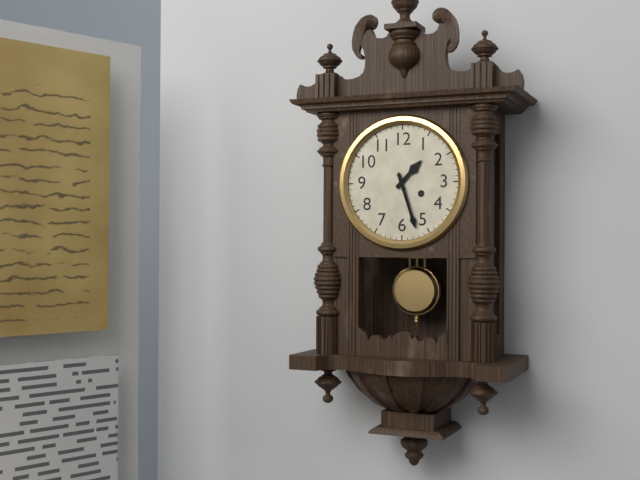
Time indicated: **1:27**
